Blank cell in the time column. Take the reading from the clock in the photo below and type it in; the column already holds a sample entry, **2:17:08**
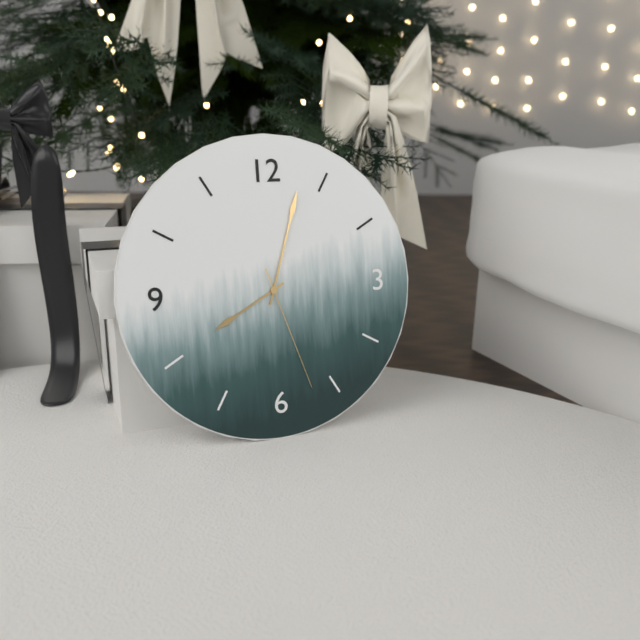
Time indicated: **8:03:27**
